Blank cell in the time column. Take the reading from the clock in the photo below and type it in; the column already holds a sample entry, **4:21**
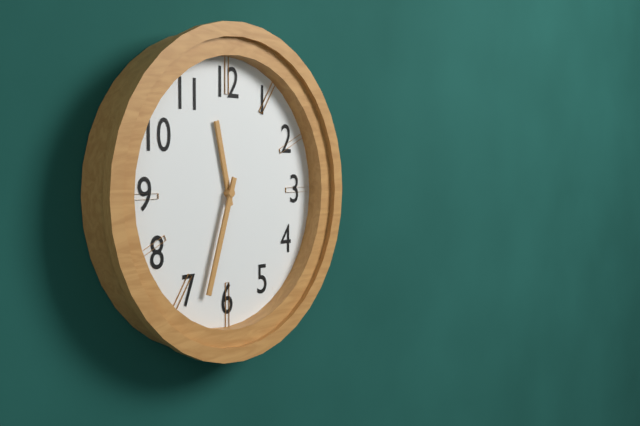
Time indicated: **11:33**
